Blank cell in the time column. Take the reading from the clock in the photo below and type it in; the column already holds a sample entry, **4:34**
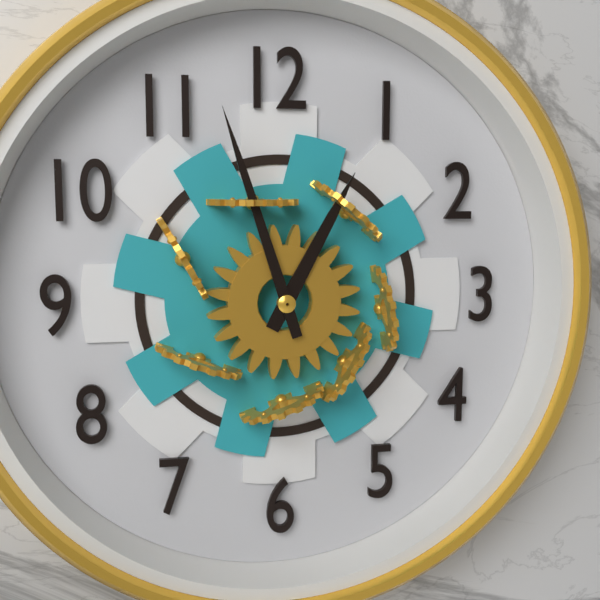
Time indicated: **12:57**
